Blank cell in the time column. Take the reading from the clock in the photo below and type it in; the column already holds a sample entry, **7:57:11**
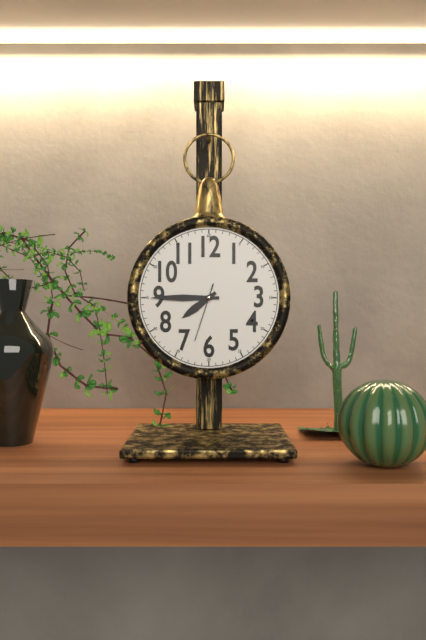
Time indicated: **7:45:33**
